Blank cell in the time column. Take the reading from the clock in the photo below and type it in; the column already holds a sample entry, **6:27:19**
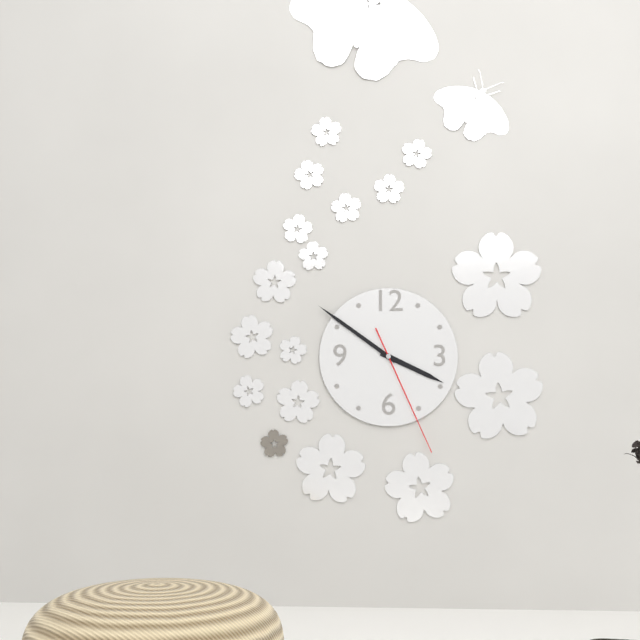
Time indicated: **3:51:26**
